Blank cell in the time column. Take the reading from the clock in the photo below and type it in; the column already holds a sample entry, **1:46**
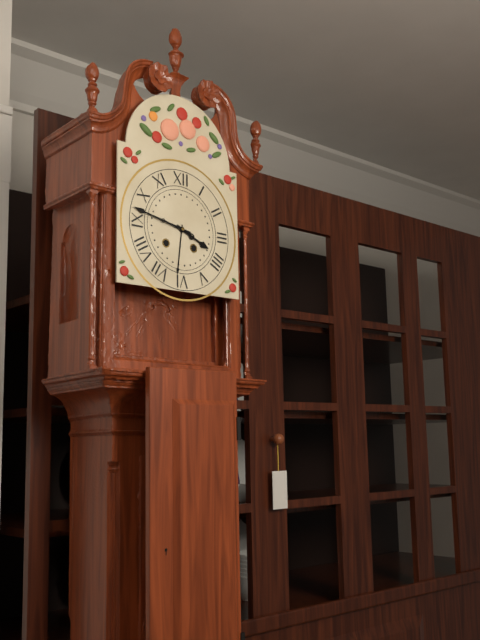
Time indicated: **3:47**
